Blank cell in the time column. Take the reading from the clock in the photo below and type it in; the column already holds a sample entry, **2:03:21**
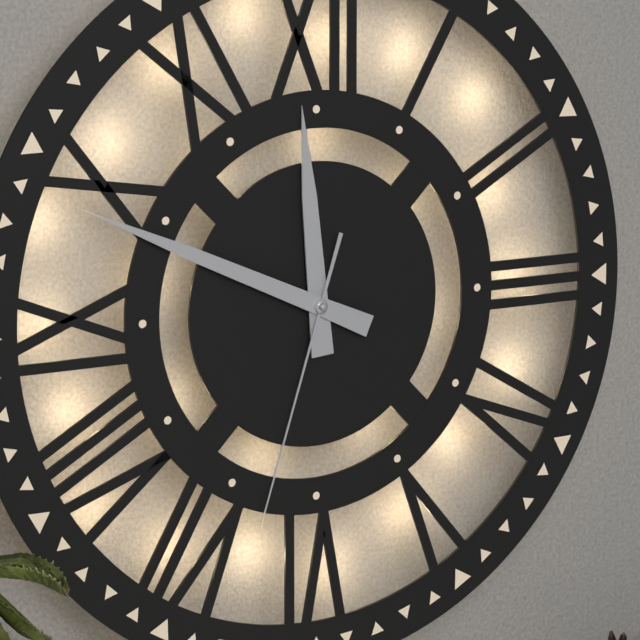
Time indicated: **11:49:33**
